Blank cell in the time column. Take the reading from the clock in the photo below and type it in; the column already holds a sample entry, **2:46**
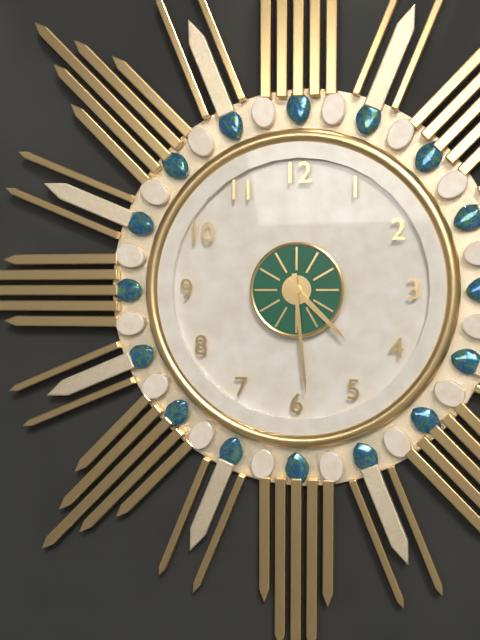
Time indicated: **4:29**
